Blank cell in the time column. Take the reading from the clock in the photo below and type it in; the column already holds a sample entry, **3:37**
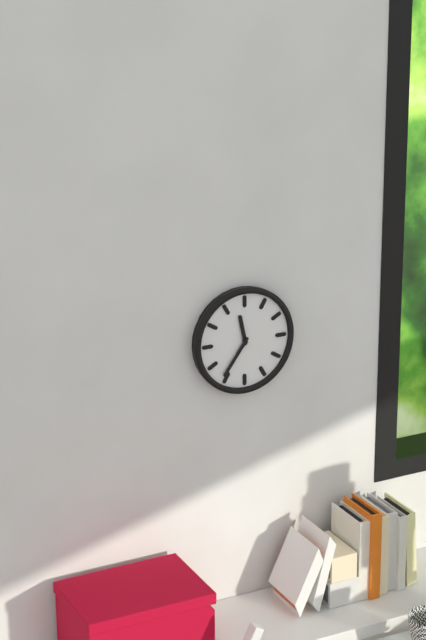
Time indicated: **11:36**
